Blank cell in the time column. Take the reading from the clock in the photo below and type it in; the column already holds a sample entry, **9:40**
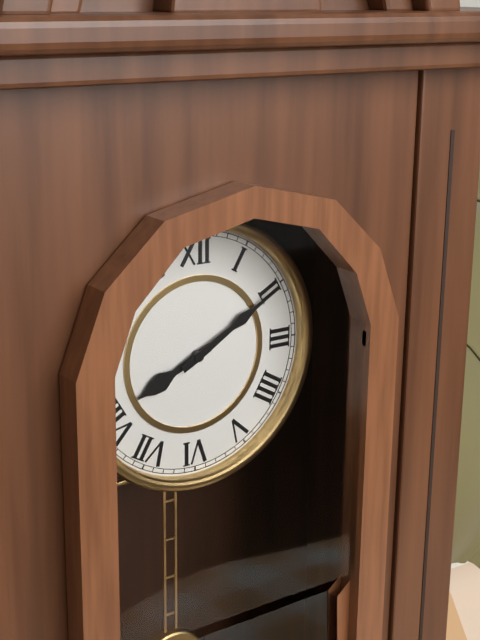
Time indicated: **8:10**
